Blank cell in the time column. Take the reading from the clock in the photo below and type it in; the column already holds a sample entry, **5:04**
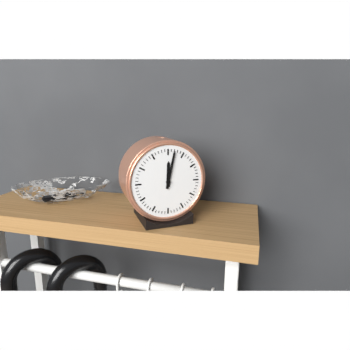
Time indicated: **12:02**
